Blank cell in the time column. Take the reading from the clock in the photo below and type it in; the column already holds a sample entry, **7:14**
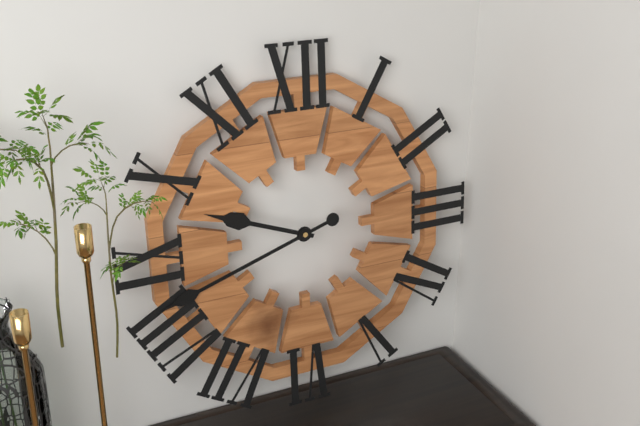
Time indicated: **9:42**
